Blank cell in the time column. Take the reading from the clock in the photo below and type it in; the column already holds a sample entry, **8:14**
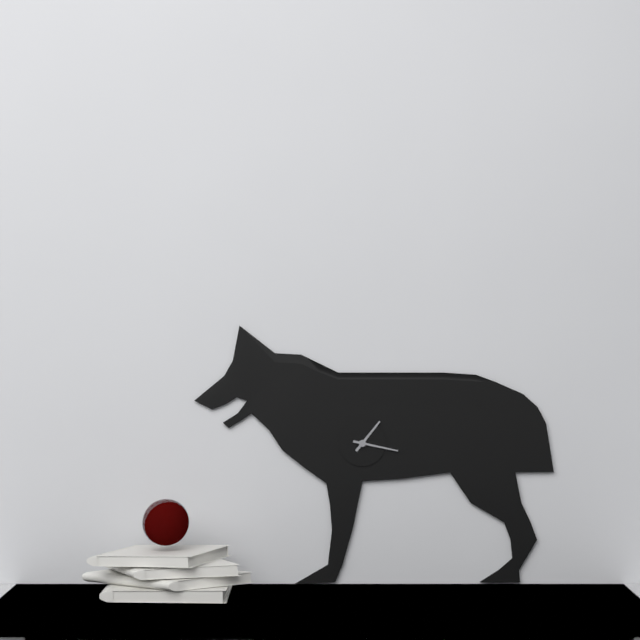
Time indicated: **1:17**
